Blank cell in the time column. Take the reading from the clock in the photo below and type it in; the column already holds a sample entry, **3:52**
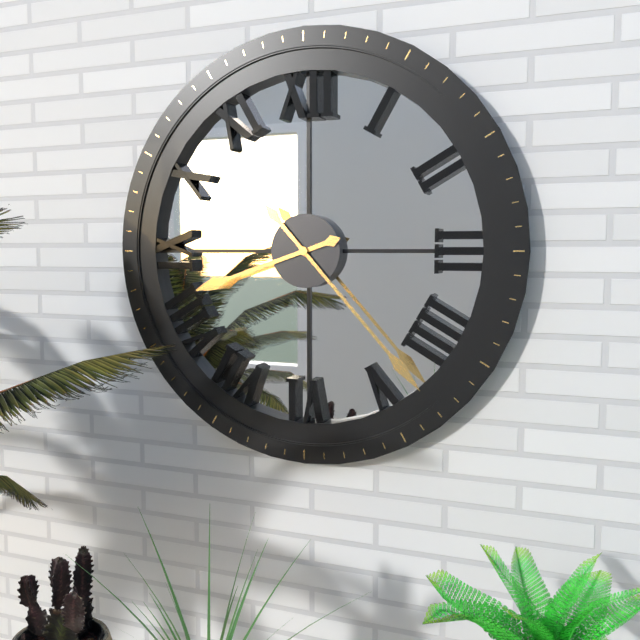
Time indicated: **8:23**
